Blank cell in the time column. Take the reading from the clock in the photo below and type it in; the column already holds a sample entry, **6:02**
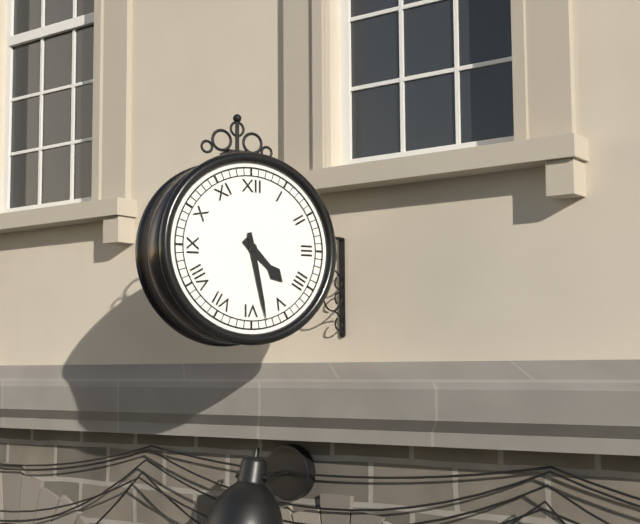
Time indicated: **4:28**
